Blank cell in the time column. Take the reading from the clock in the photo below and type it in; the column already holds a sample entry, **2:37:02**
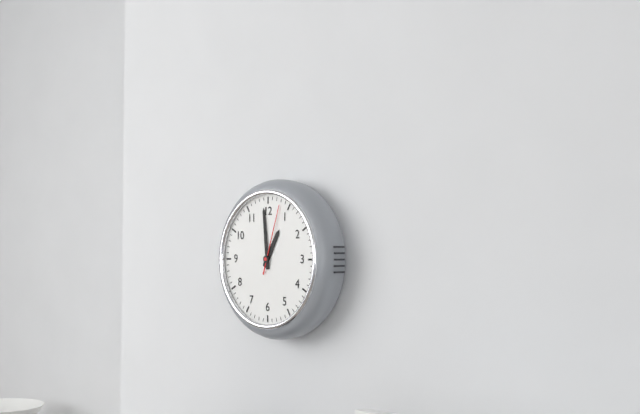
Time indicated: **12:59:03**
